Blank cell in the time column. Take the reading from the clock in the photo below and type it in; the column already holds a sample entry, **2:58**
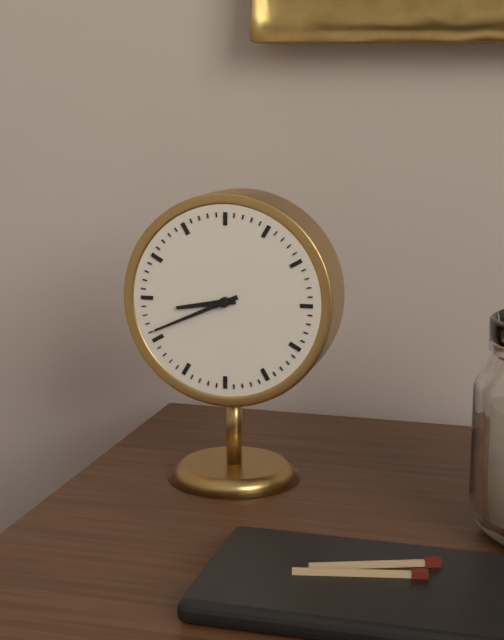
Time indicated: **8:41**
